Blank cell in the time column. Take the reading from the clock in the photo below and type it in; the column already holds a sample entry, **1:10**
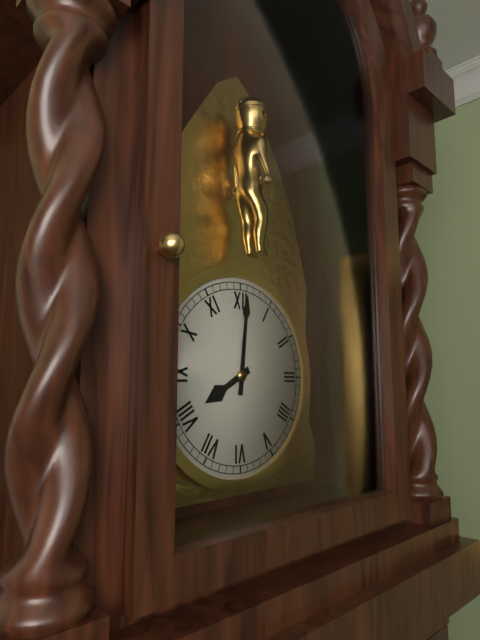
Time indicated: **8:01**
